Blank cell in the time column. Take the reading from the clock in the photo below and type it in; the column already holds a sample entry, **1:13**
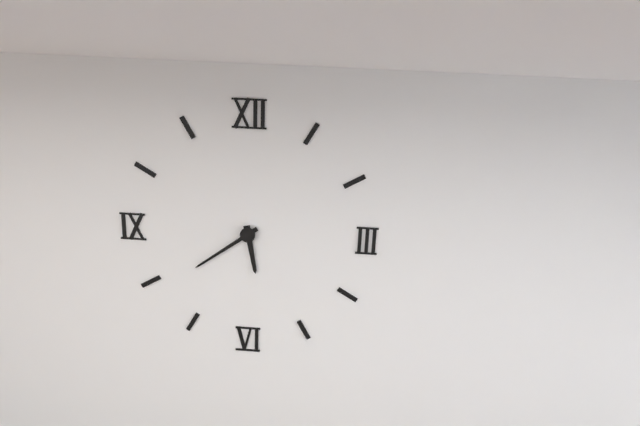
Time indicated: **5:39**
